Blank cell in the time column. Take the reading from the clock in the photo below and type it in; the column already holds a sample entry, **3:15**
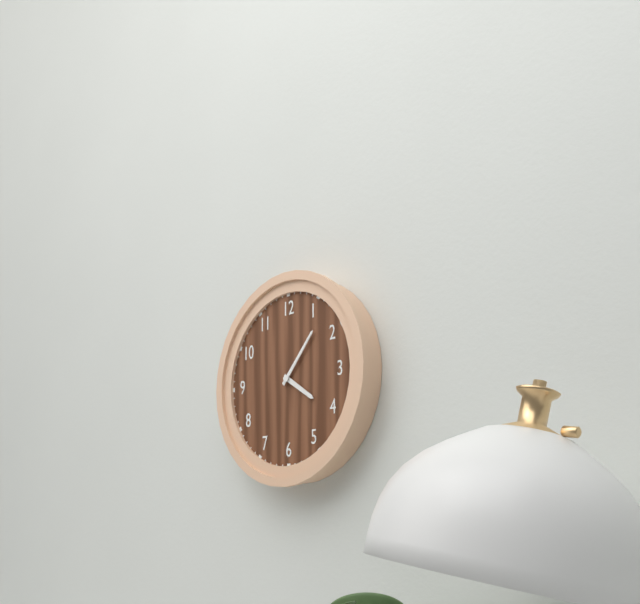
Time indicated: **4:07**
